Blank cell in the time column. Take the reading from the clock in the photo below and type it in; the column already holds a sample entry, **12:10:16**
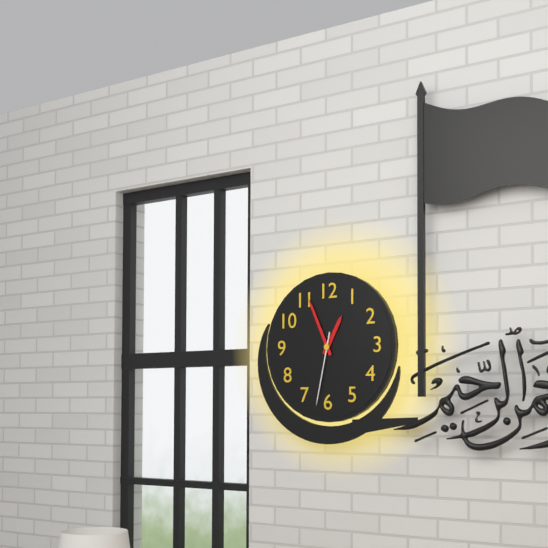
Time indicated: **12:56:32**
